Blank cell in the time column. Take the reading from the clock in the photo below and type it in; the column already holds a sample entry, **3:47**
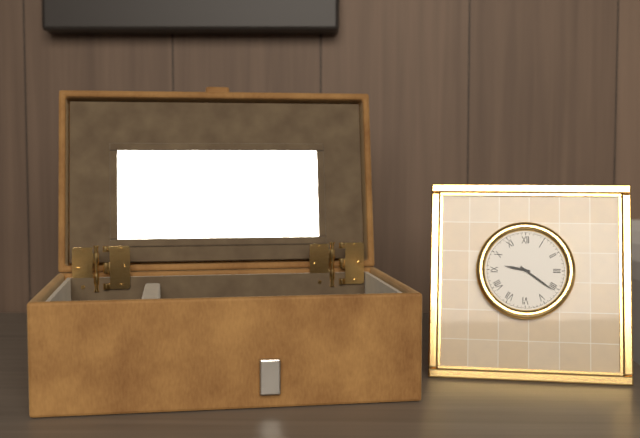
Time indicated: **9:21**
